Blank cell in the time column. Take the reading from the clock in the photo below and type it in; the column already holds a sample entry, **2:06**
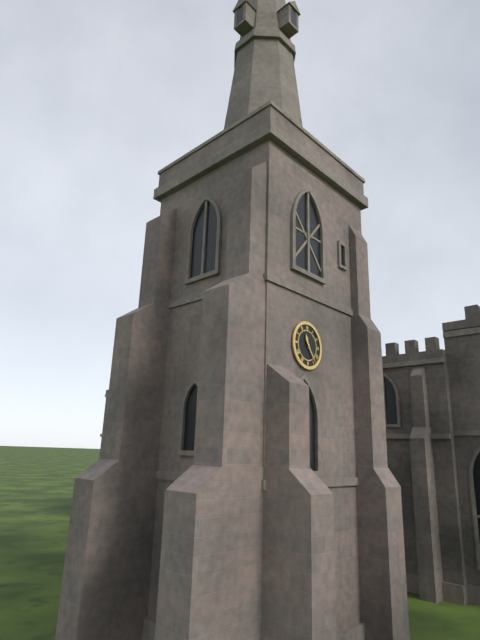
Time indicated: **11:24**
